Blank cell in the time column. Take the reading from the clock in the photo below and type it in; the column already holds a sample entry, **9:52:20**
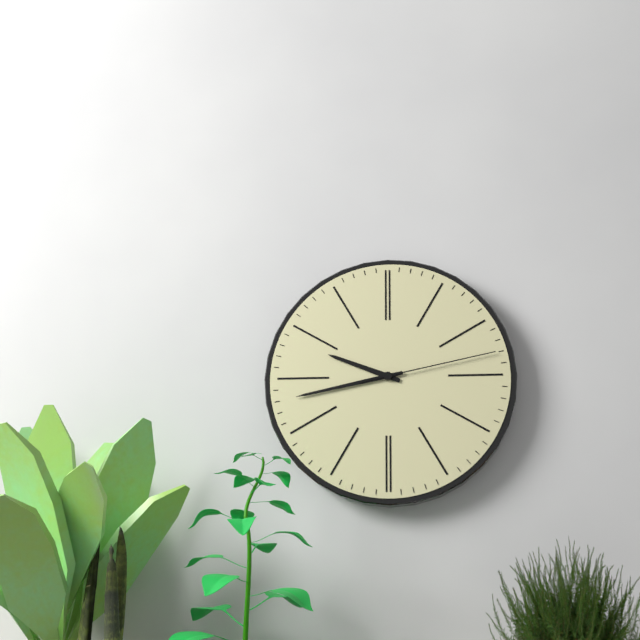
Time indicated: **9:43:13**
